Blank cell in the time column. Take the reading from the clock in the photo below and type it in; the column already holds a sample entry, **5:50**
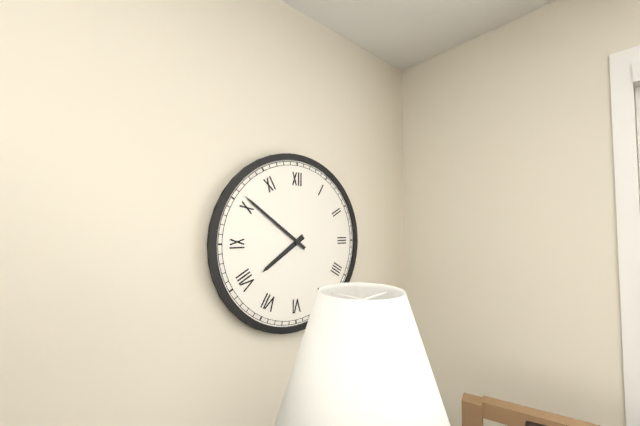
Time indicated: **7:51**
